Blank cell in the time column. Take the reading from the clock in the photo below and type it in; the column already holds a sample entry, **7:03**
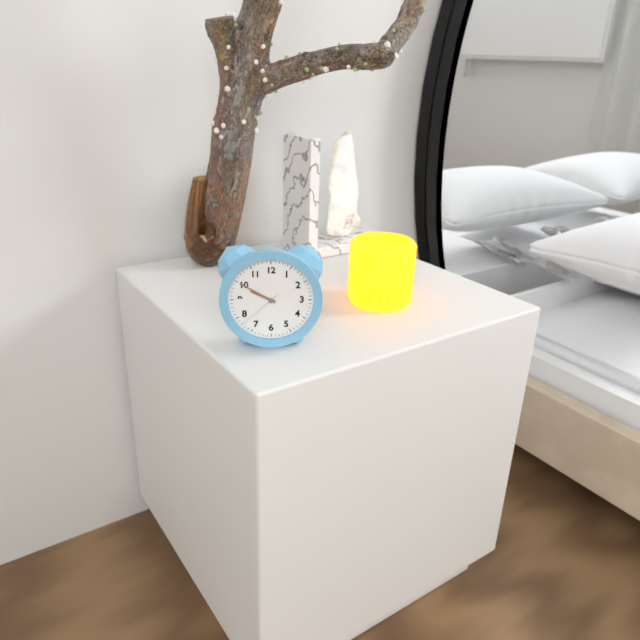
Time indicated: **9:50**
